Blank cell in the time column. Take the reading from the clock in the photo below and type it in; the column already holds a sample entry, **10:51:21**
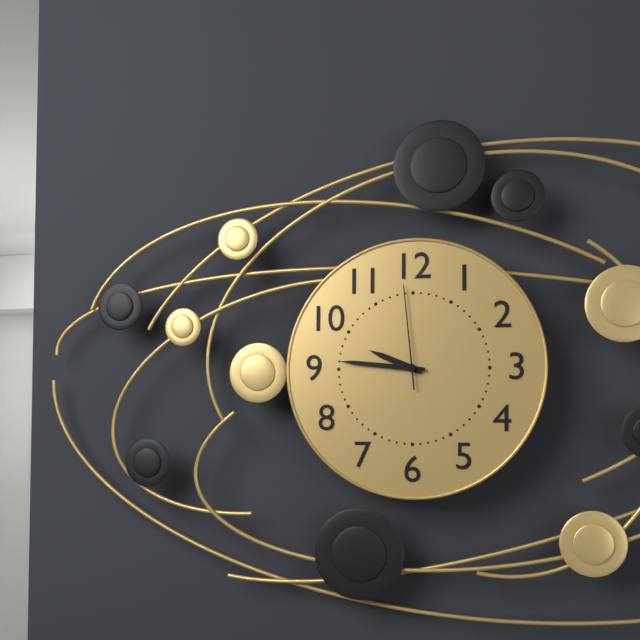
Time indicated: **9:46:59**
